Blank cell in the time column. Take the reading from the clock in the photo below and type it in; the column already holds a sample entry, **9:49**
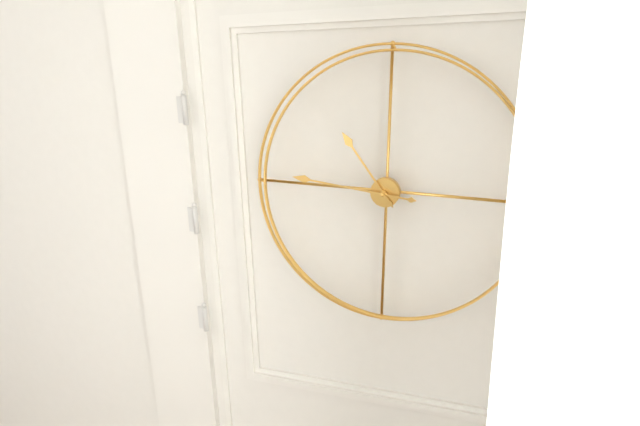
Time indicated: **10:46**
